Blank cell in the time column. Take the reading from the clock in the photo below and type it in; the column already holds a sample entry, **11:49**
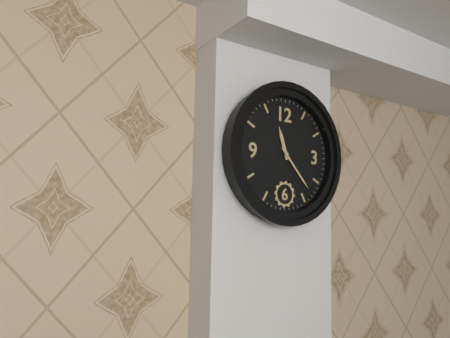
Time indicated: **11:23**
